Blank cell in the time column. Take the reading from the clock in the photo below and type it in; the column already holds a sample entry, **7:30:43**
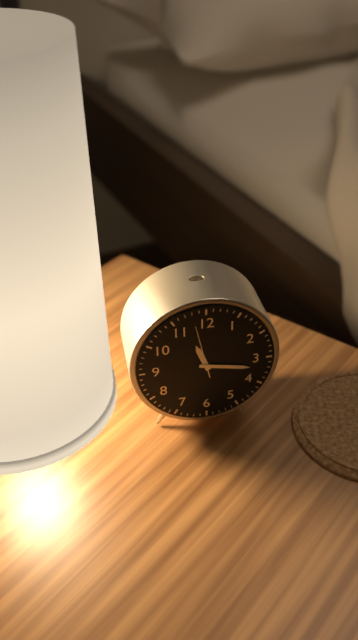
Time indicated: **11:17:58**
